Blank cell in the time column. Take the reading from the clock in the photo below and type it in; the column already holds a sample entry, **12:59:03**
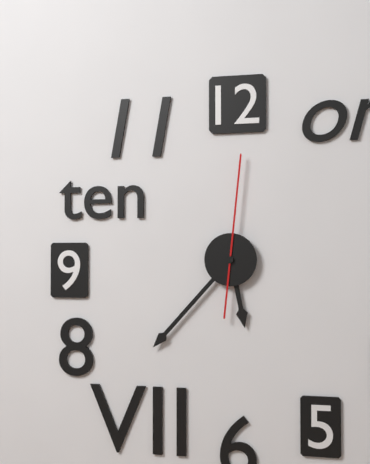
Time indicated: **5:37:01**
